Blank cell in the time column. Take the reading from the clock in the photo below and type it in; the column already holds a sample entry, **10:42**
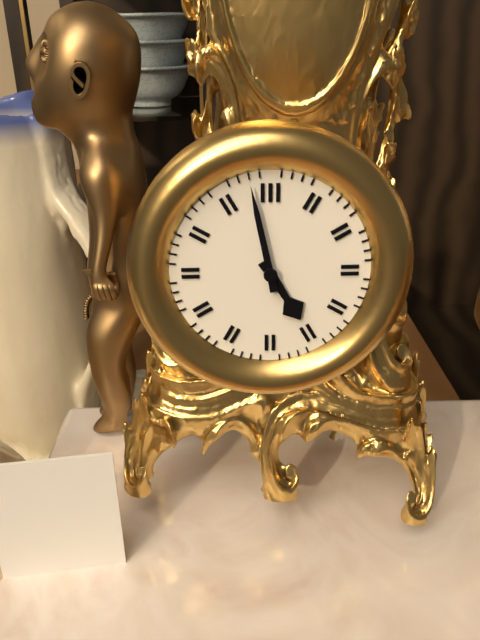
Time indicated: **4:58**
